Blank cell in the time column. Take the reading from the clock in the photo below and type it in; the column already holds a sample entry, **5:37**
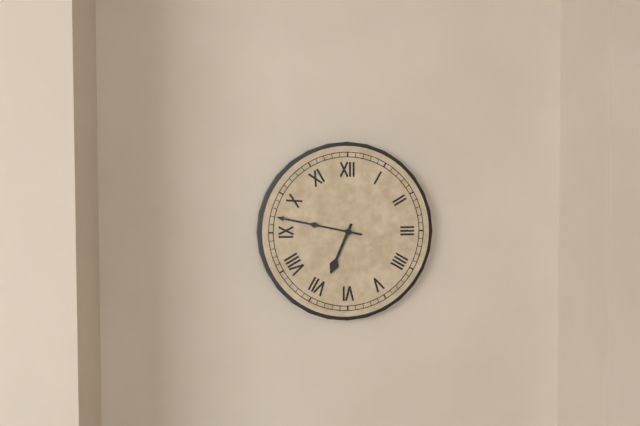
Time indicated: **6:47**
